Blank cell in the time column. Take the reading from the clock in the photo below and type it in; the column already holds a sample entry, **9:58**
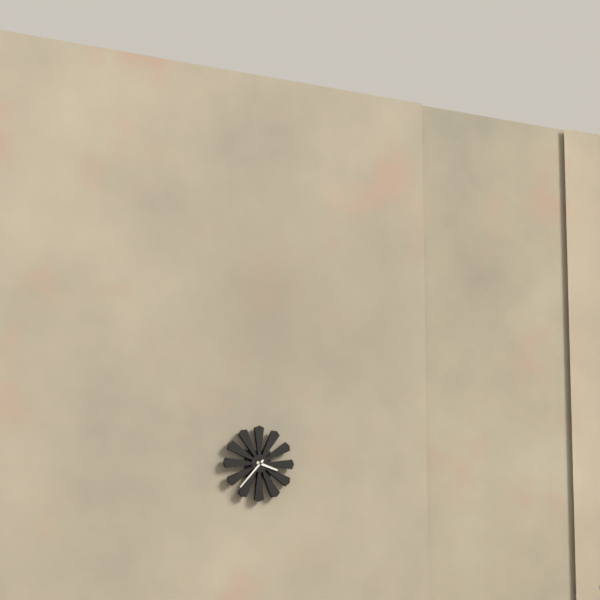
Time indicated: **3:37**
